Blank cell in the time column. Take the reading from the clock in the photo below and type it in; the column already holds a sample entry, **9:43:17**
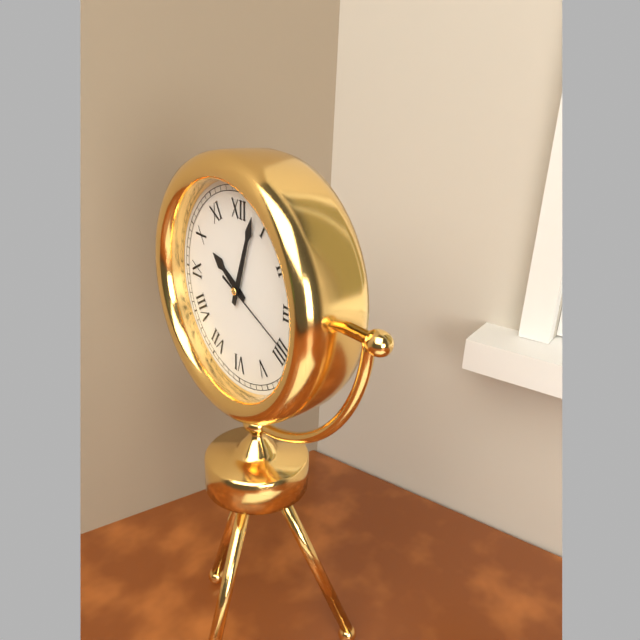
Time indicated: **10:03:19**
